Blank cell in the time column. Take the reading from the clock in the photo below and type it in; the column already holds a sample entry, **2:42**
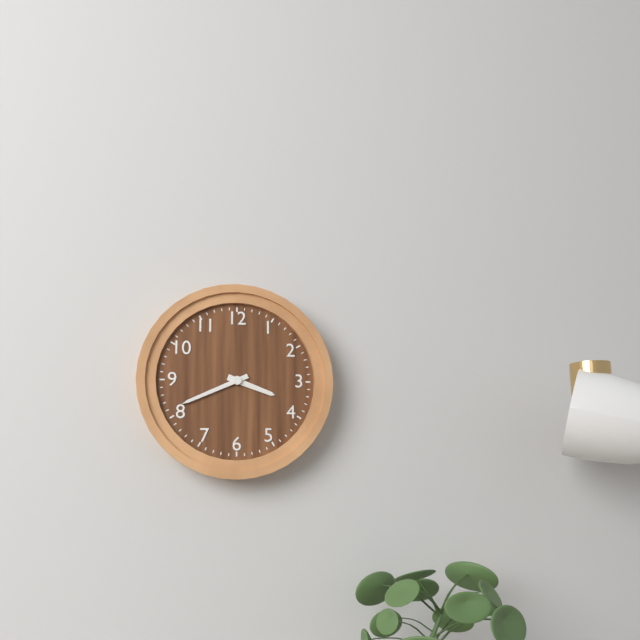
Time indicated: **3:41**
